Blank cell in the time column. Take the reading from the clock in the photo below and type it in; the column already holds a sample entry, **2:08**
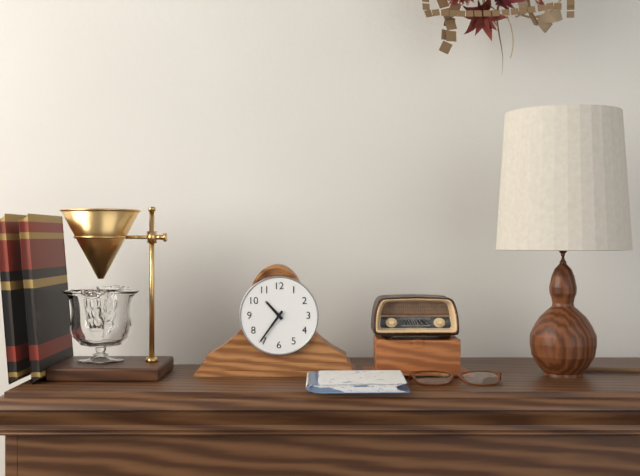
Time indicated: **10:36**
